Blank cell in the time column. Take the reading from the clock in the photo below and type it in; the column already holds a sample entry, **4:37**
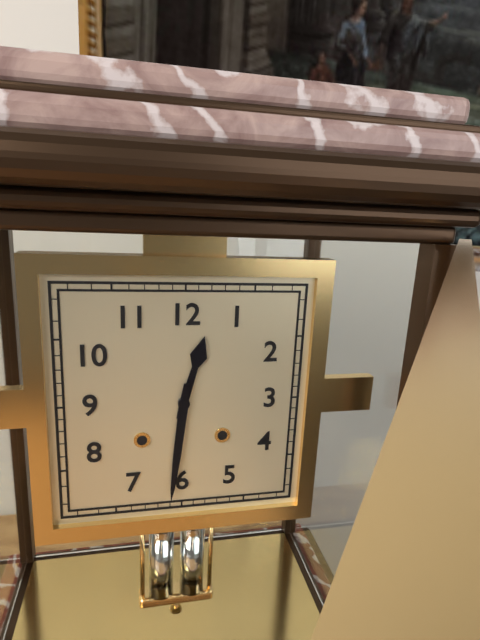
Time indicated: **12:31**
